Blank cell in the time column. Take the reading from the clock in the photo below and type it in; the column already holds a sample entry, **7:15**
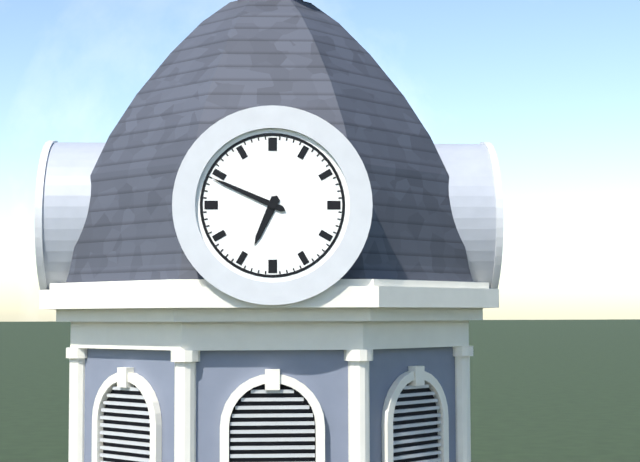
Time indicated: **6:49**
